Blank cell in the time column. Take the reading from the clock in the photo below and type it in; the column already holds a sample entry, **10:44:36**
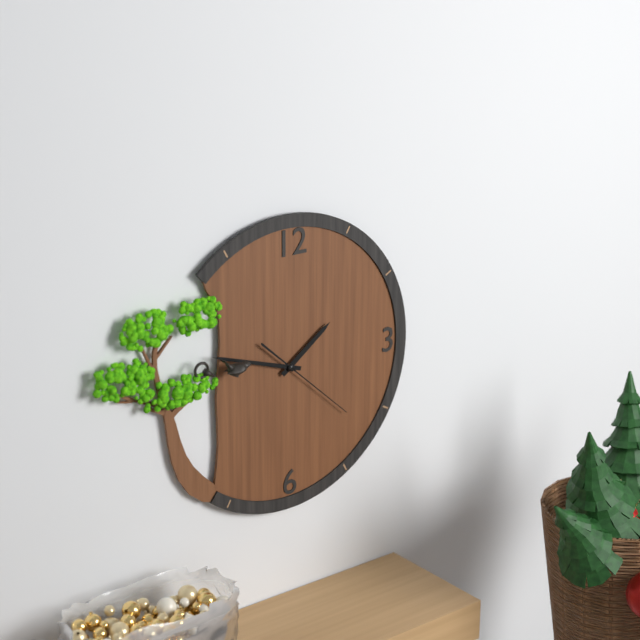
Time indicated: **1:48:22**
